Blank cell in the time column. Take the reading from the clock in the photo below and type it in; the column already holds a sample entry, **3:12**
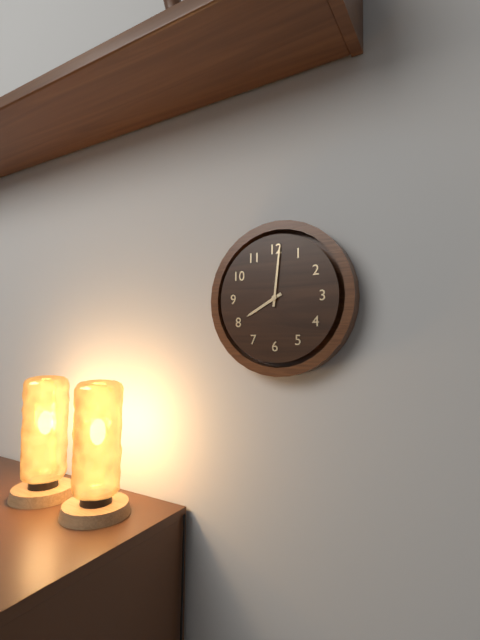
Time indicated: **8:01**
